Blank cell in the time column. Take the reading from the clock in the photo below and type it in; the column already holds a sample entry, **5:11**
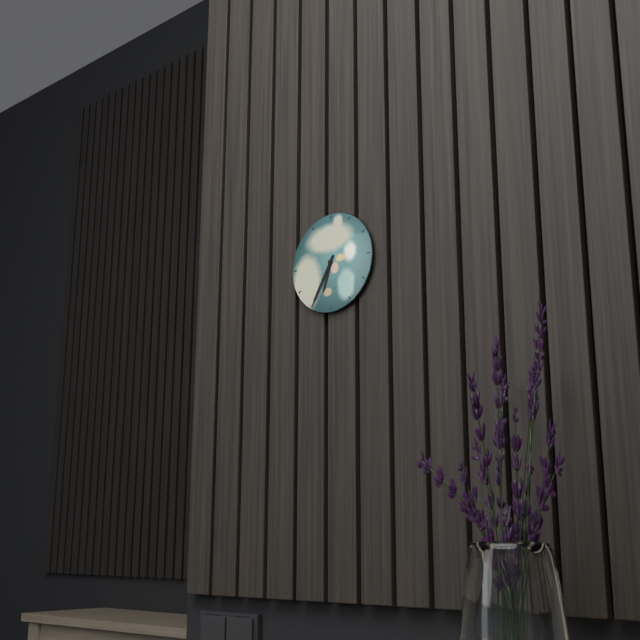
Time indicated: **6:35**
